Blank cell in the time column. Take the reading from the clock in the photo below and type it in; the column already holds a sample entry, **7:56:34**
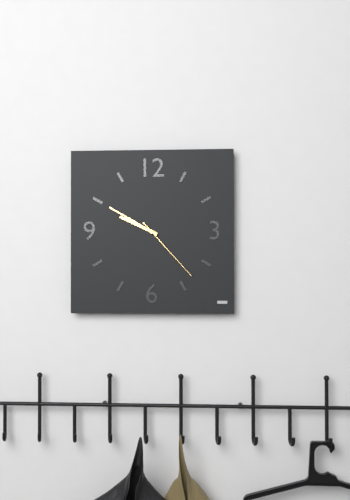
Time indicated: **9:50:23**
